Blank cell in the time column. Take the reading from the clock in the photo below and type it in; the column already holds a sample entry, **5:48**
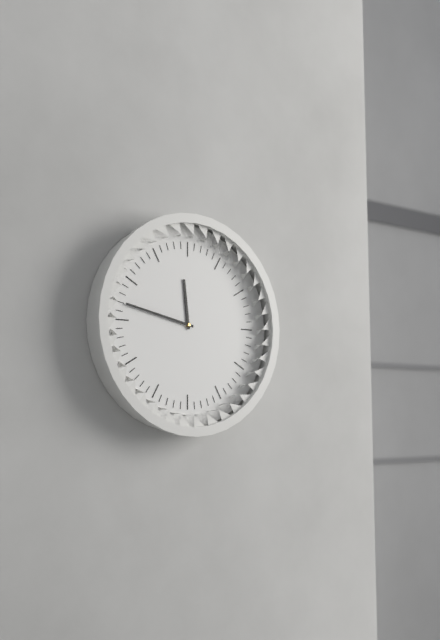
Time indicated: **11:47**
